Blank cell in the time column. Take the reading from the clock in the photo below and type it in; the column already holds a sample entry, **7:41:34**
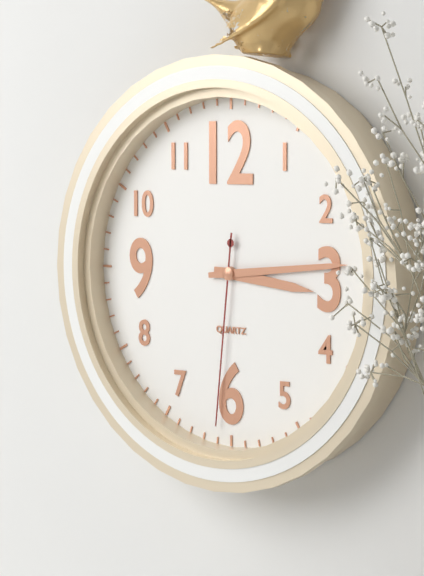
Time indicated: **3:14:31**
